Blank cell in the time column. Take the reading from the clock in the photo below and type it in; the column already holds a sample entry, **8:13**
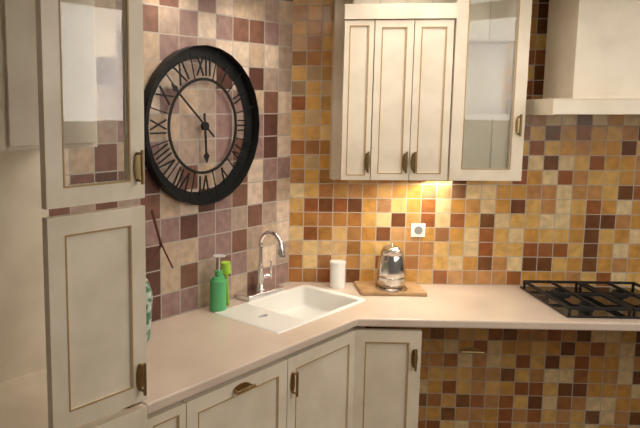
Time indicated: **5:52**
